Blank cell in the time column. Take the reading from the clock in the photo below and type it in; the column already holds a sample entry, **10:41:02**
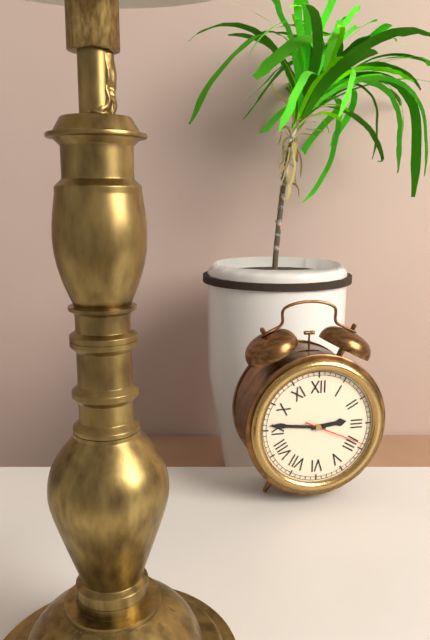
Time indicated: **2:46:19**
